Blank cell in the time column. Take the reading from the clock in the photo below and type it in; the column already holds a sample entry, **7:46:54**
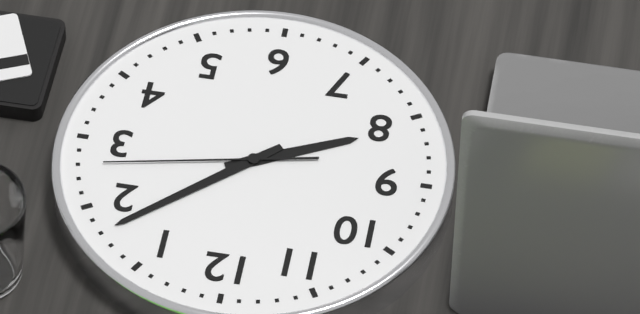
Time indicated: **8:08:13**
